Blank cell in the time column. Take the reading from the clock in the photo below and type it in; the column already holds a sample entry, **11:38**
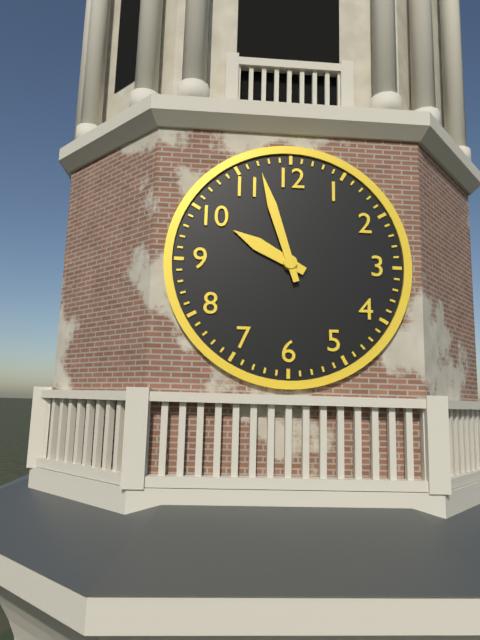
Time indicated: **9:57**
